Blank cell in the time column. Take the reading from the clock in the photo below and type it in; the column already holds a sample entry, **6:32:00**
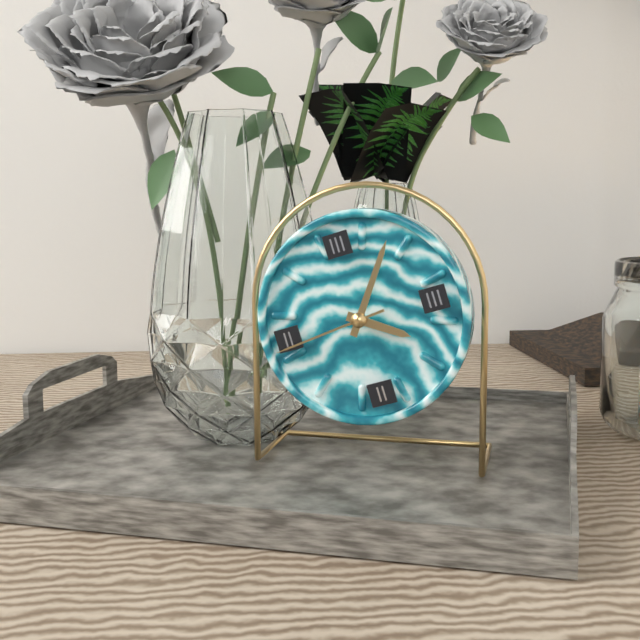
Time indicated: **4:06:44**
